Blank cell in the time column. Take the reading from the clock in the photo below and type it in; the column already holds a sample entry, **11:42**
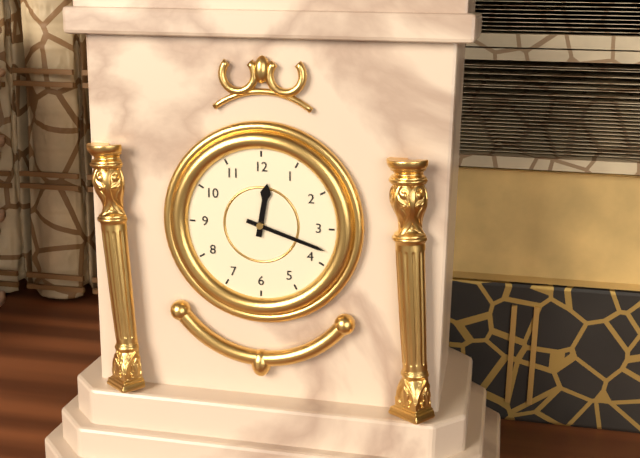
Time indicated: **12:18**
